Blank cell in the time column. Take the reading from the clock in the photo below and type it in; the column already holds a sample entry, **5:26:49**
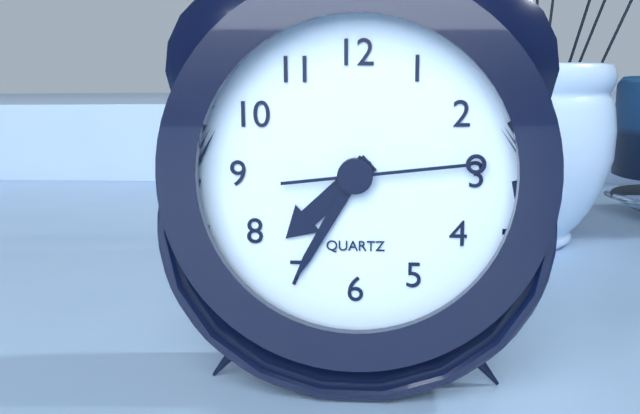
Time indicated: **7:35:14**
